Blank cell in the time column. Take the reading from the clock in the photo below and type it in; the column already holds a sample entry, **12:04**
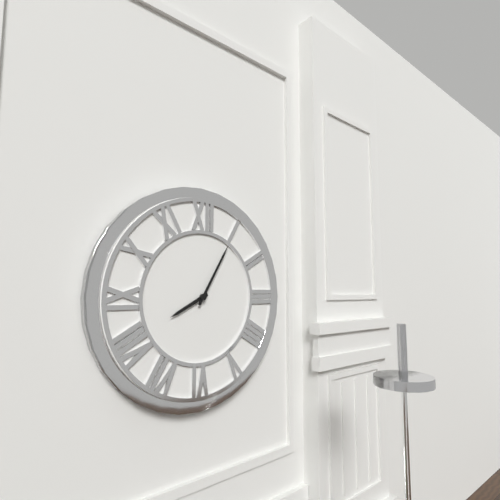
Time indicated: **8:05**
